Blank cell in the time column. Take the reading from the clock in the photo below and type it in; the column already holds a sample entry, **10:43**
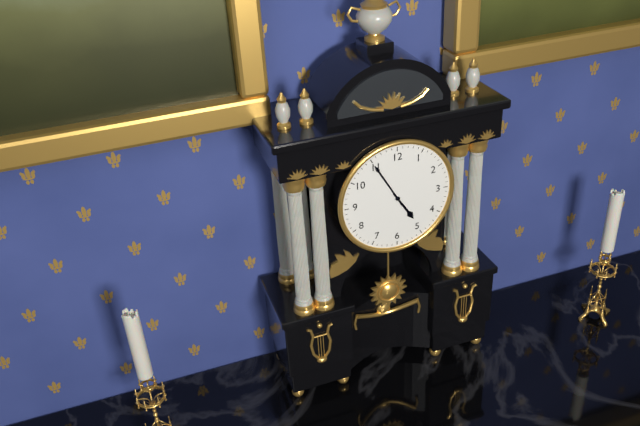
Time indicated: **4:55**
